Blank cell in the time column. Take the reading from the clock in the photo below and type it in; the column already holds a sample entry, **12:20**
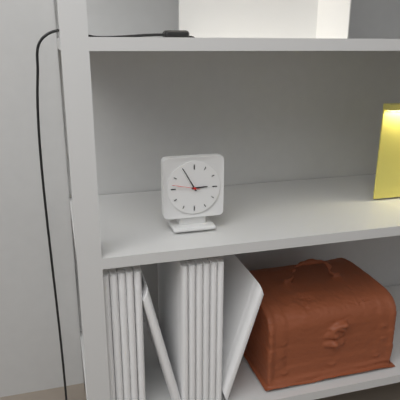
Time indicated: **2:55**
